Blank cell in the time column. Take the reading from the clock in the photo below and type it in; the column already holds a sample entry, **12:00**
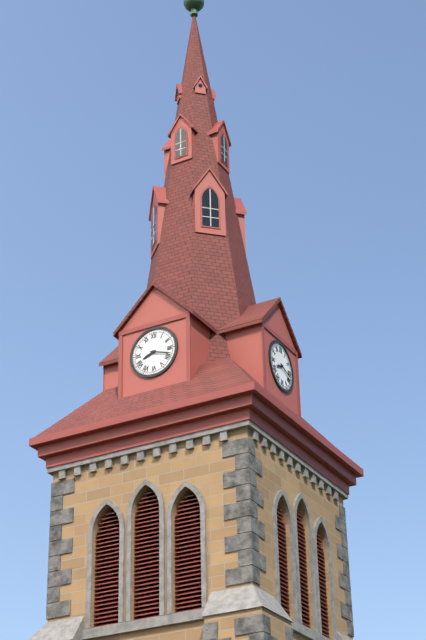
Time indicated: **8:18**
